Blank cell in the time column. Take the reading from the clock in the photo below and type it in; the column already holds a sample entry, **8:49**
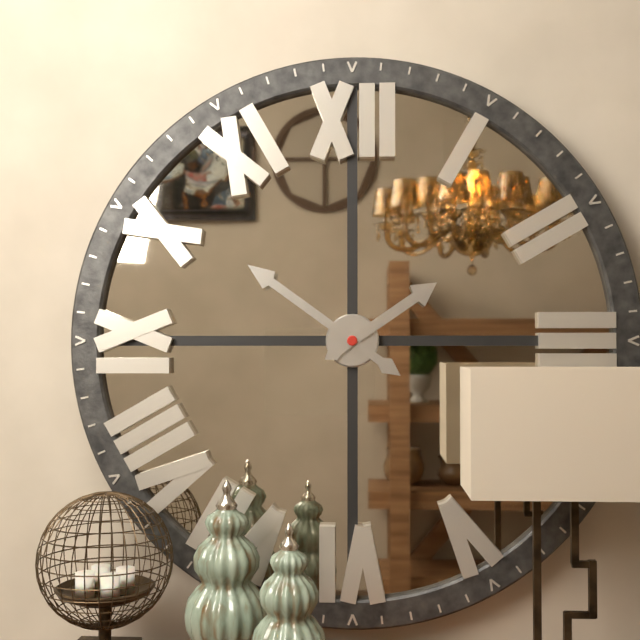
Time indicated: **1:51**
